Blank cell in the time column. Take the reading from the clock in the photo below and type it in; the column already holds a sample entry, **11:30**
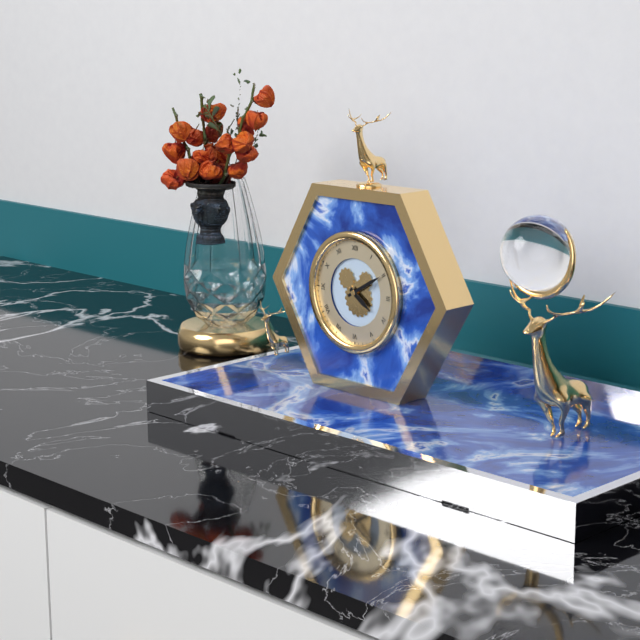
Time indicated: **4:10**
